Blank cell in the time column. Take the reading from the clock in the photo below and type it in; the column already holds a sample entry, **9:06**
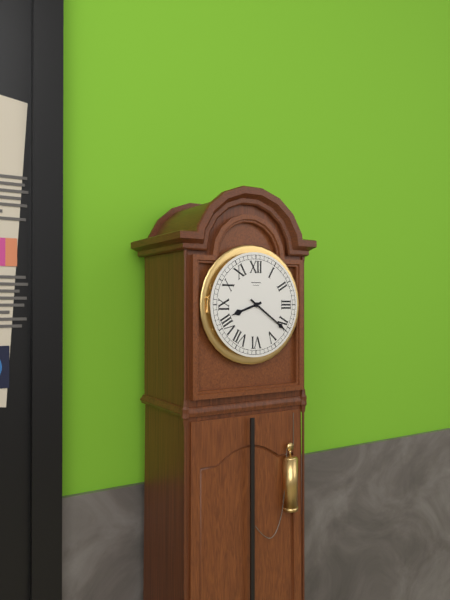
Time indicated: **8:21**
